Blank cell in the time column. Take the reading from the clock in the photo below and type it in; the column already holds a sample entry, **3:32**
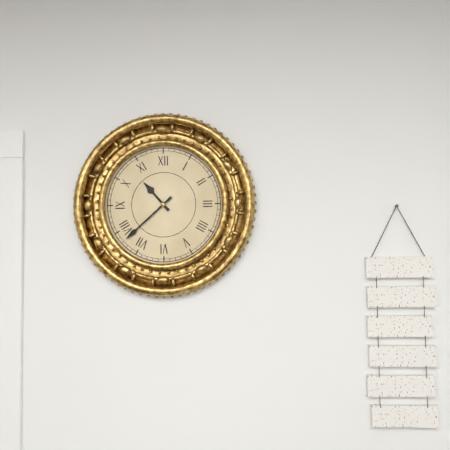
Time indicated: **10:38**
